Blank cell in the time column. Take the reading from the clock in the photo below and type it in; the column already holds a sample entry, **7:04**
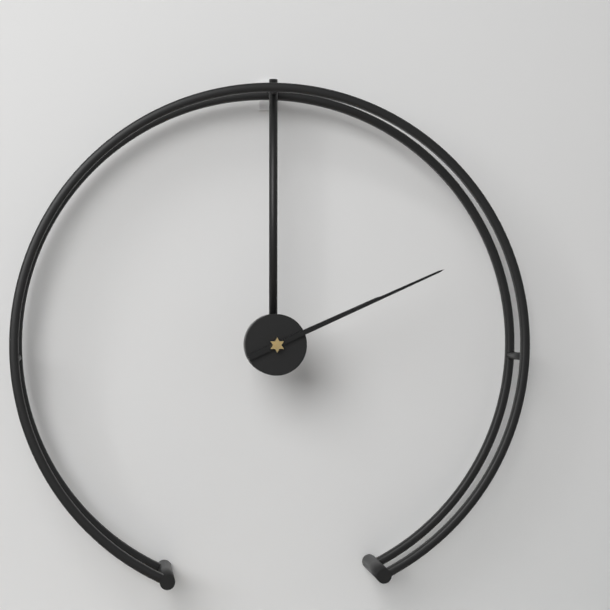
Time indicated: **2:11**
